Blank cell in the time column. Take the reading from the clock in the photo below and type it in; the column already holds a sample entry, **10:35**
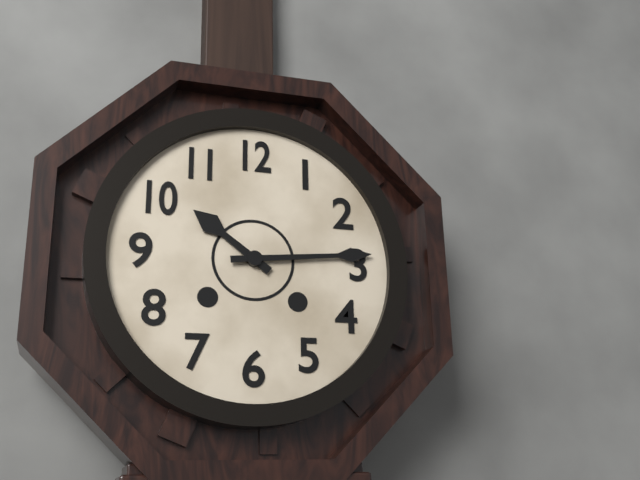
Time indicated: **10:14**
